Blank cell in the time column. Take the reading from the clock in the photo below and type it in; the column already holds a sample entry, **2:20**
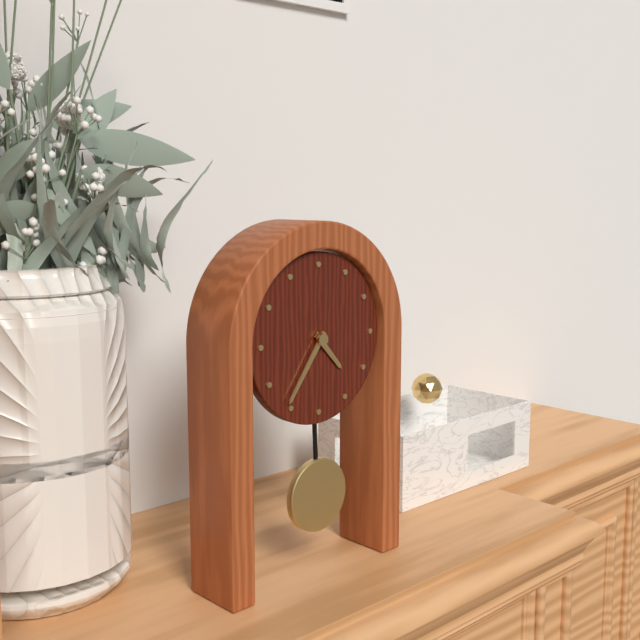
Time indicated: **4:36**
